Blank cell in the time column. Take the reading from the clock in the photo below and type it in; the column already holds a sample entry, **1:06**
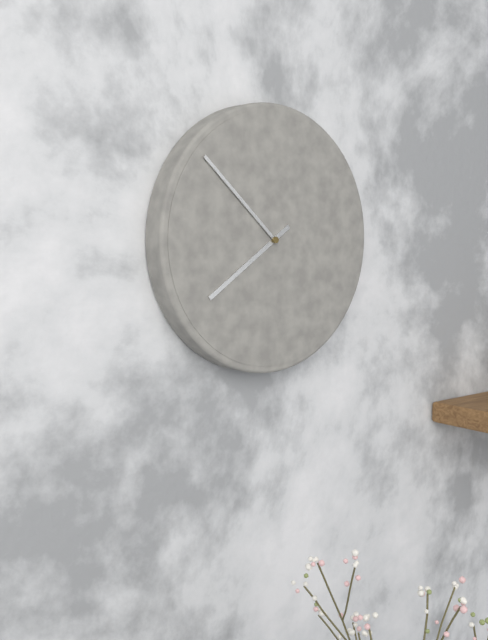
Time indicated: **7:52**
